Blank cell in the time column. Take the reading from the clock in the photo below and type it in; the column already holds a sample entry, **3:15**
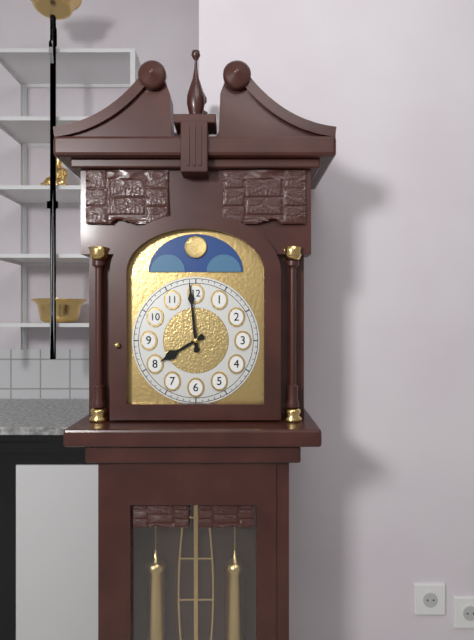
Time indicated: **7:59**
